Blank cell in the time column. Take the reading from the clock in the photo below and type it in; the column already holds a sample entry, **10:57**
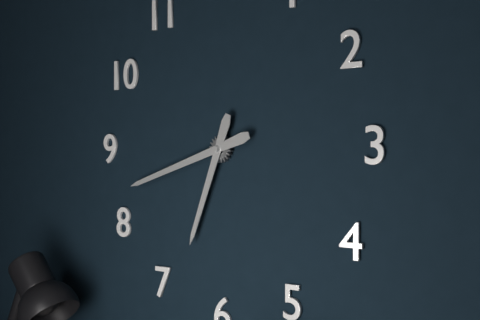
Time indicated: **6:42**
